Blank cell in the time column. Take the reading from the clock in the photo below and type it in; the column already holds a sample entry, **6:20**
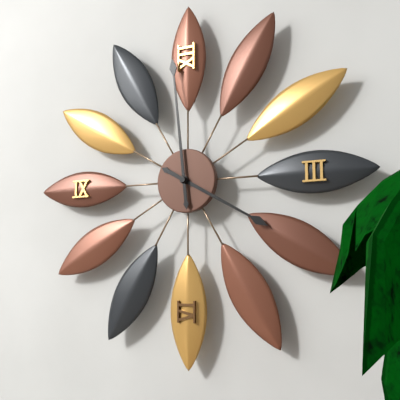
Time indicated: **3:59**
